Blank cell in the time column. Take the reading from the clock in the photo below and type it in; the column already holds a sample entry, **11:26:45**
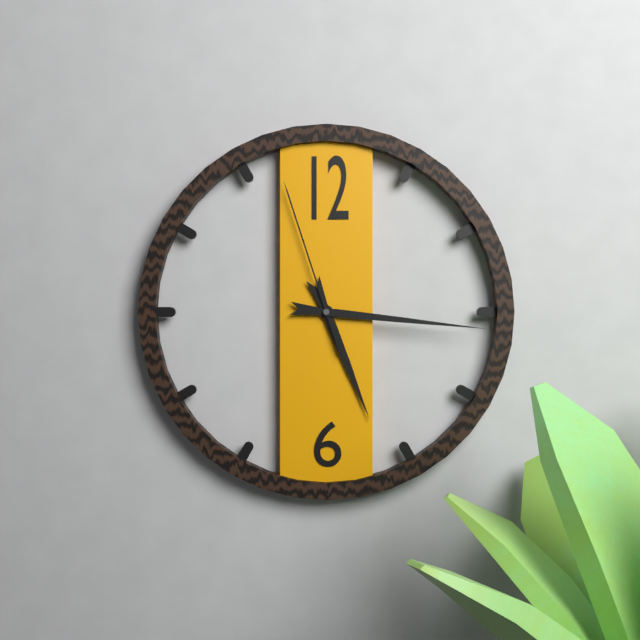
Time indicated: **5:16:57**
